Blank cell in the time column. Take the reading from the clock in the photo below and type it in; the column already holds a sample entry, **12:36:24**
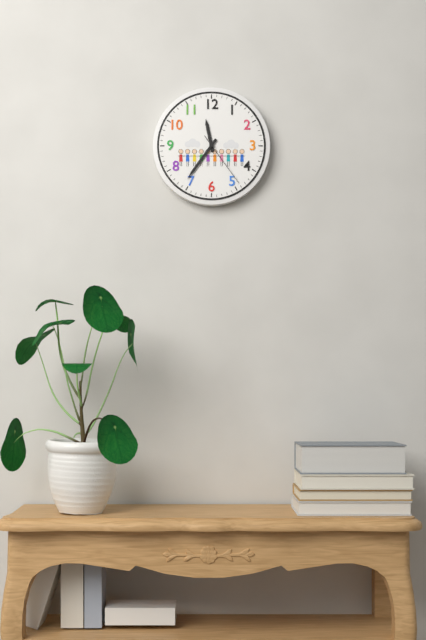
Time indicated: **11:36:24**
